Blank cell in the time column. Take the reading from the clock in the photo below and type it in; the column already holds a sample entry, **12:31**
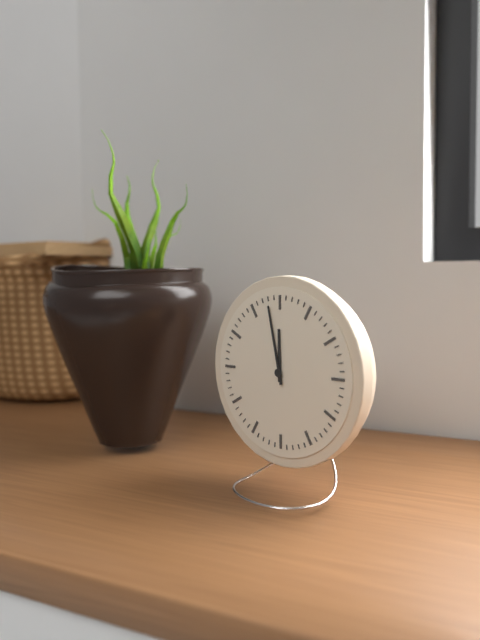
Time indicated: **11:58**
